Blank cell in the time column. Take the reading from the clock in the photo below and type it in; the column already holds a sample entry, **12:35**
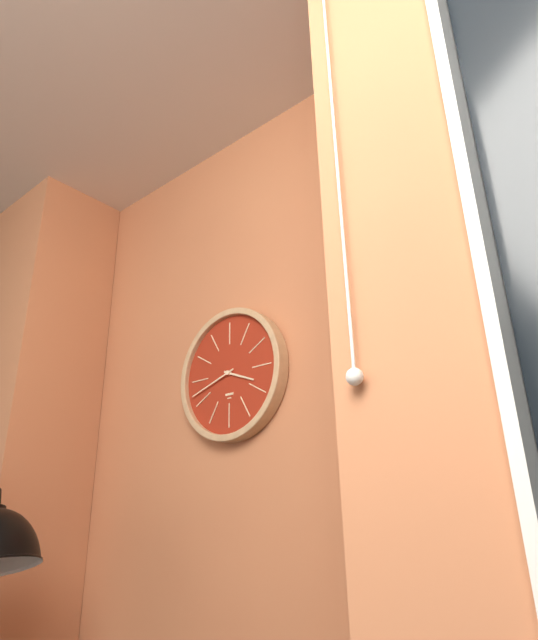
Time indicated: **3:42**
